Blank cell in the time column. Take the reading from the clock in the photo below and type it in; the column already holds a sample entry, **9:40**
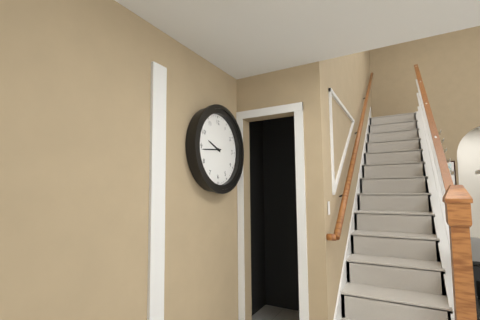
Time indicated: **9:44**
